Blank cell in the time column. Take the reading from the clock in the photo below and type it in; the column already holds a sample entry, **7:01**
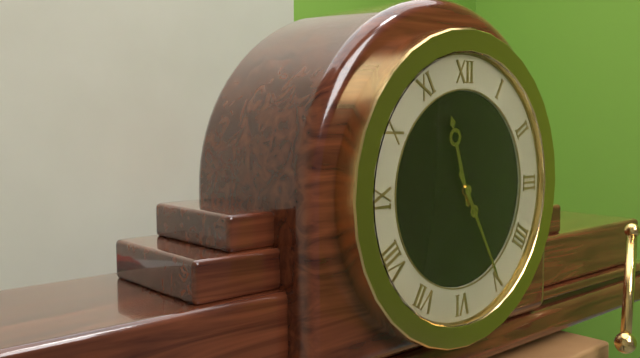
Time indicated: **11:25**
